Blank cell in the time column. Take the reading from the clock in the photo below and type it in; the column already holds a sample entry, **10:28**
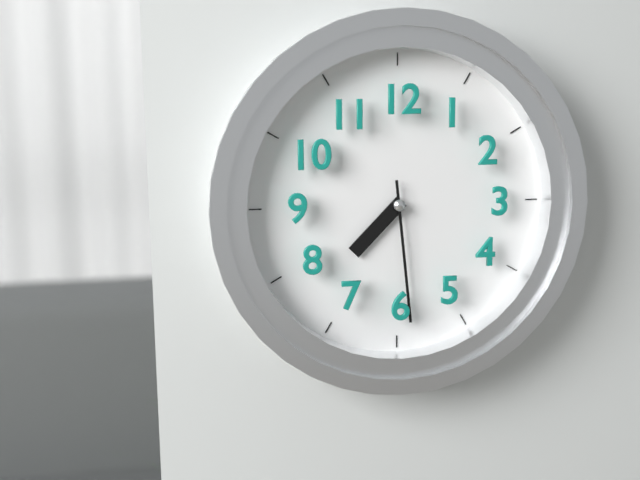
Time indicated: **7:29**
